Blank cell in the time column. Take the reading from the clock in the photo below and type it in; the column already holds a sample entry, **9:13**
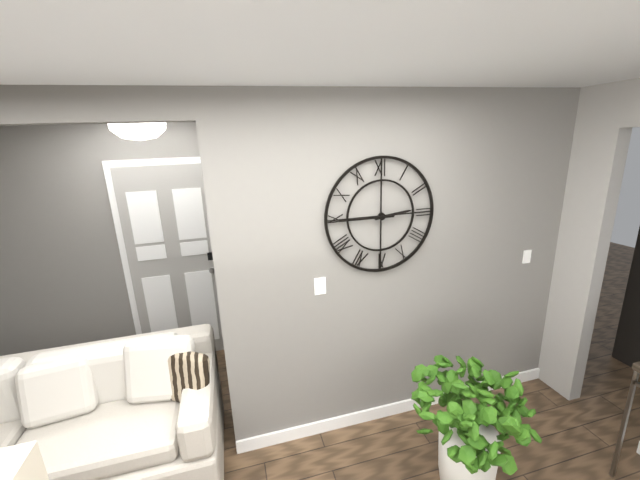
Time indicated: **2:45**
